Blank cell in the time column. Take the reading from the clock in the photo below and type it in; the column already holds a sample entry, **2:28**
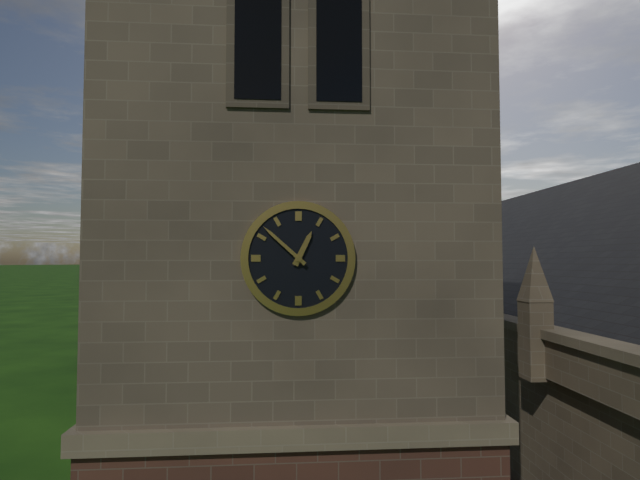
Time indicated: **12:52**
